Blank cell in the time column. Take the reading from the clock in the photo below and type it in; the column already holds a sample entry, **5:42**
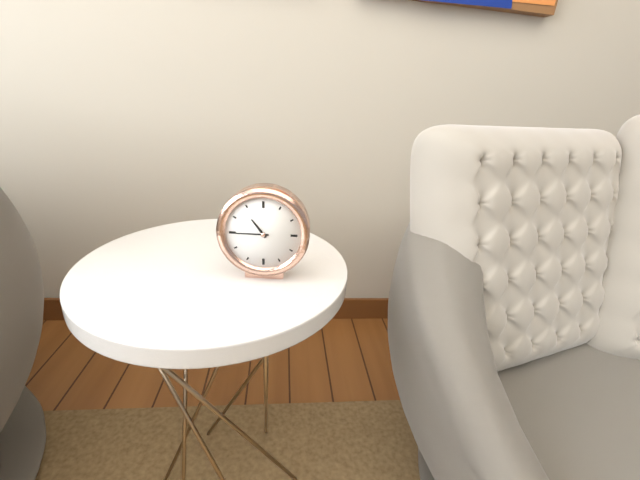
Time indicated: **10:45**
